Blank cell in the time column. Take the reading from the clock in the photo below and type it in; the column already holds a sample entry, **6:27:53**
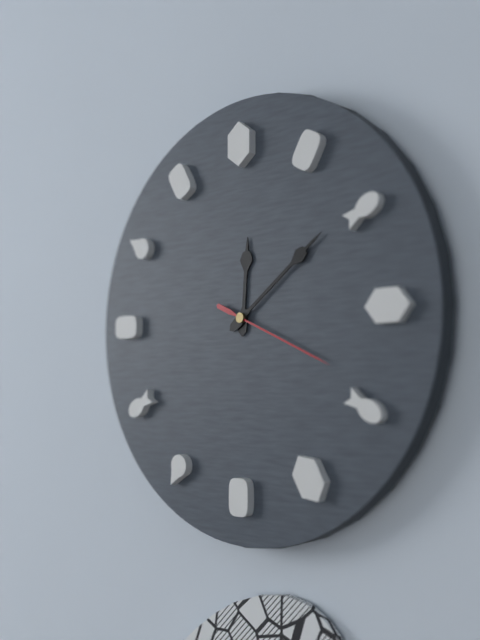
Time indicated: **12:09:19**
